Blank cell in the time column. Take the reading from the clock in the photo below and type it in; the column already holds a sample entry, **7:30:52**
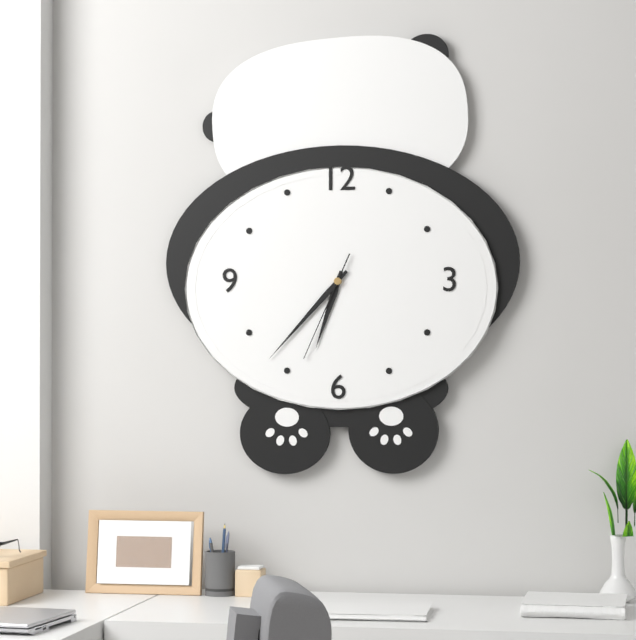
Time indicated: **6:37:34**
